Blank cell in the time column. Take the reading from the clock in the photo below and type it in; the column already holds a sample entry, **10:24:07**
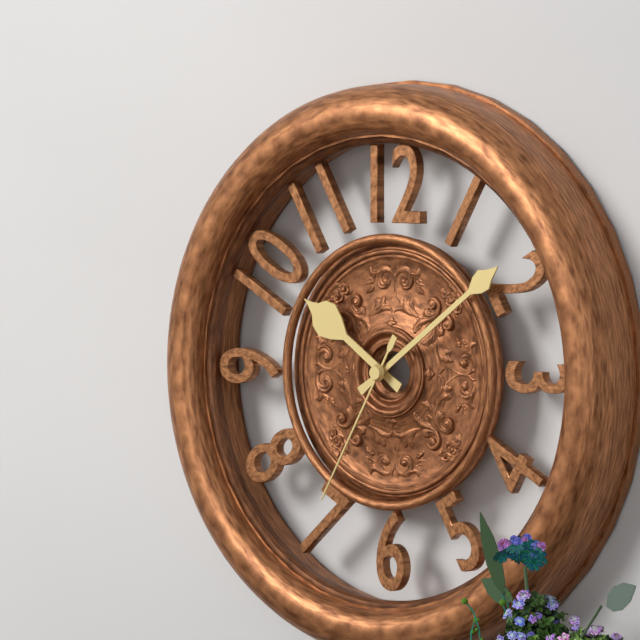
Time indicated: **10:09:35**
